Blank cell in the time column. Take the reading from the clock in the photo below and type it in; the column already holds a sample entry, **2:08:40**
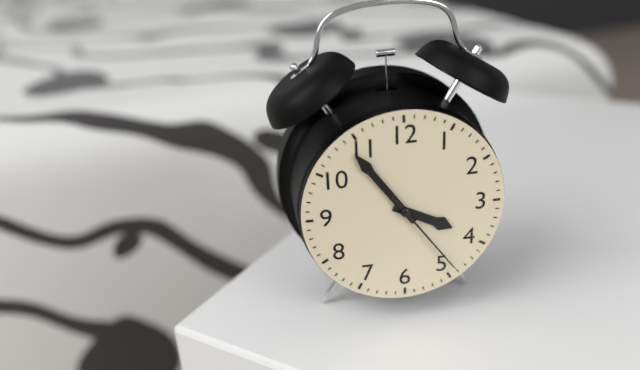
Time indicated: **3:54:24**
